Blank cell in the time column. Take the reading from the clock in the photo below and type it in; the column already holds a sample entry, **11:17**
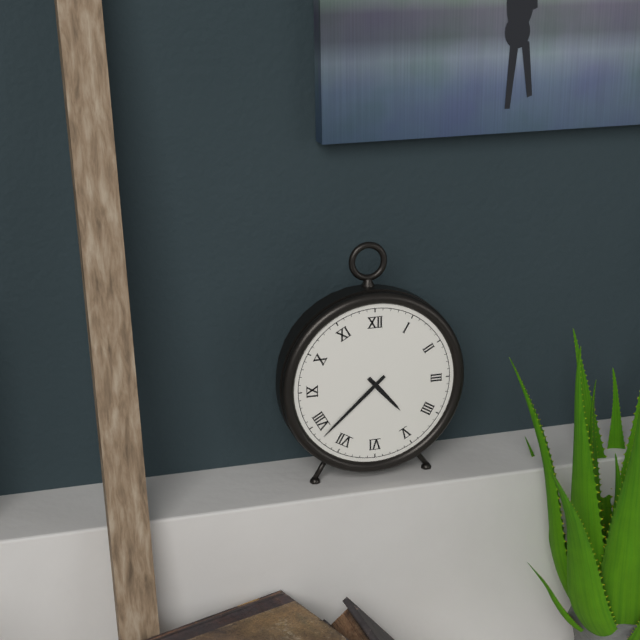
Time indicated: **4:38**
